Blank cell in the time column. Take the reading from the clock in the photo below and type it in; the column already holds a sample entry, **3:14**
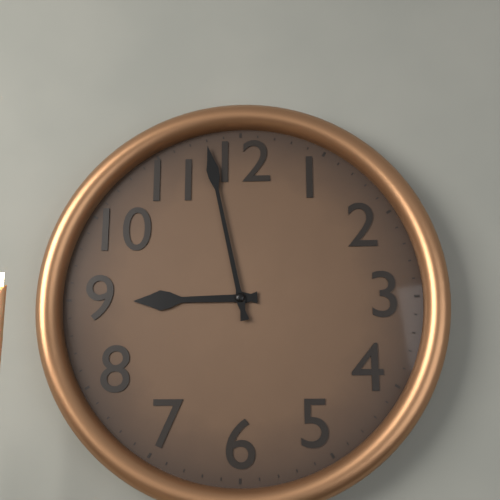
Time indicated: **8:58**
